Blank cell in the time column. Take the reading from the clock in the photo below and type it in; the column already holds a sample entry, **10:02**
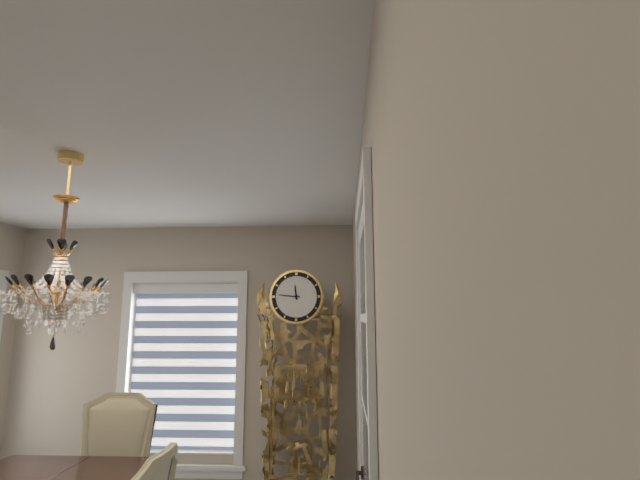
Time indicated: **11:46**
